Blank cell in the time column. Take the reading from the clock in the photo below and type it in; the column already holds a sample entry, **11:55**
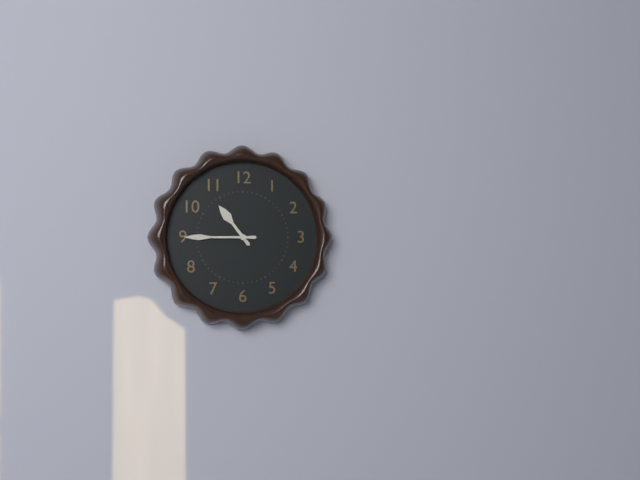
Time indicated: **10:45**
